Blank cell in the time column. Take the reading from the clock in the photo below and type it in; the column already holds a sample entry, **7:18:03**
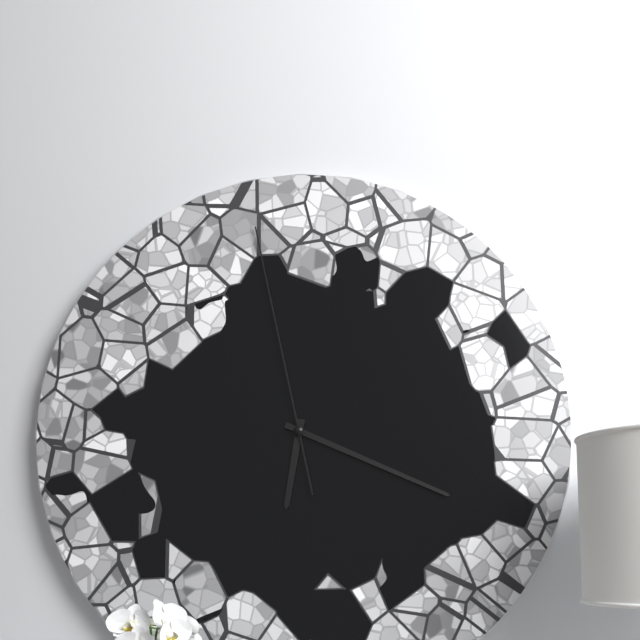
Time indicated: **6:19:58**
